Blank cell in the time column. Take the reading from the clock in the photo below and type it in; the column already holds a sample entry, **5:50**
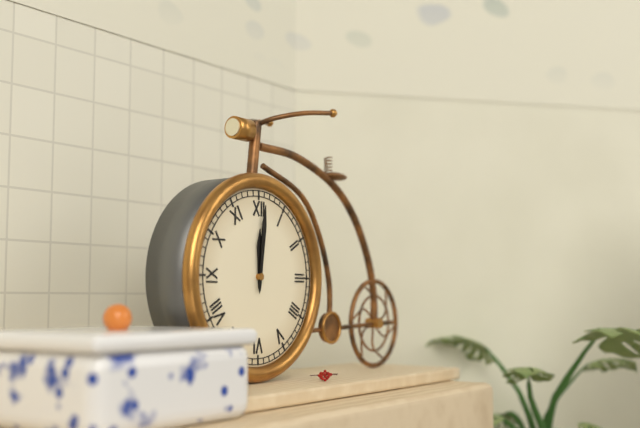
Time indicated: **12:01**
